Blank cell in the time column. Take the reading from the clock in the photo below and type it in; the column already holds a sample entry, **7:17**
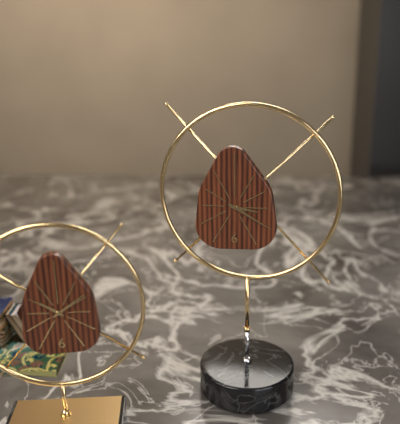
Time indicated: **3:20**
